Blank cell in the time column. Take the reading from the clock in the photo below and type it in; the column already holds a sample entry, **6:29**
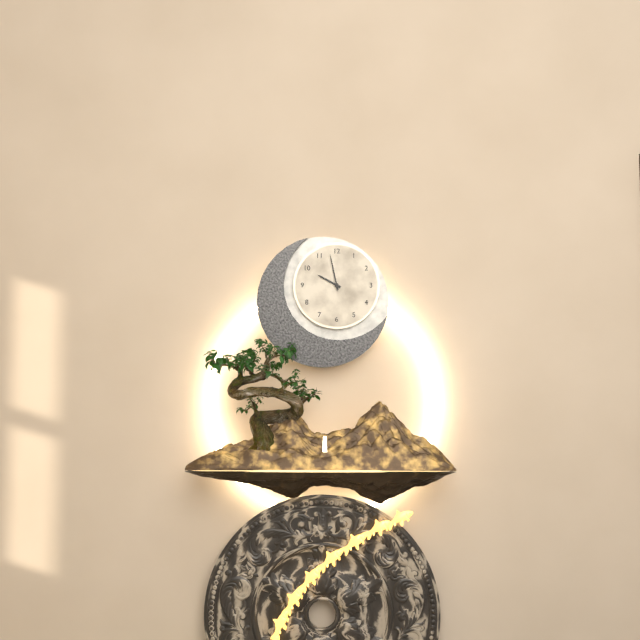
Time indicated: **9:58**
